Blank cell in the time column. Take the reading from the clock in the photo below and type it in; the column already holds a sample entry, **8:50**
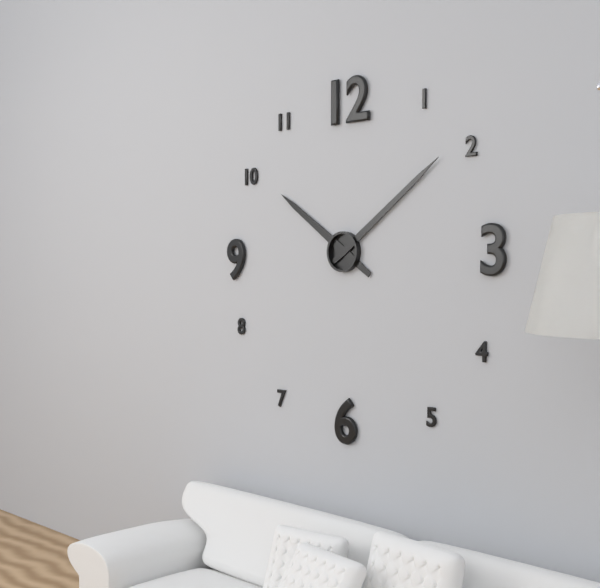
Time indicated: **10:09**
